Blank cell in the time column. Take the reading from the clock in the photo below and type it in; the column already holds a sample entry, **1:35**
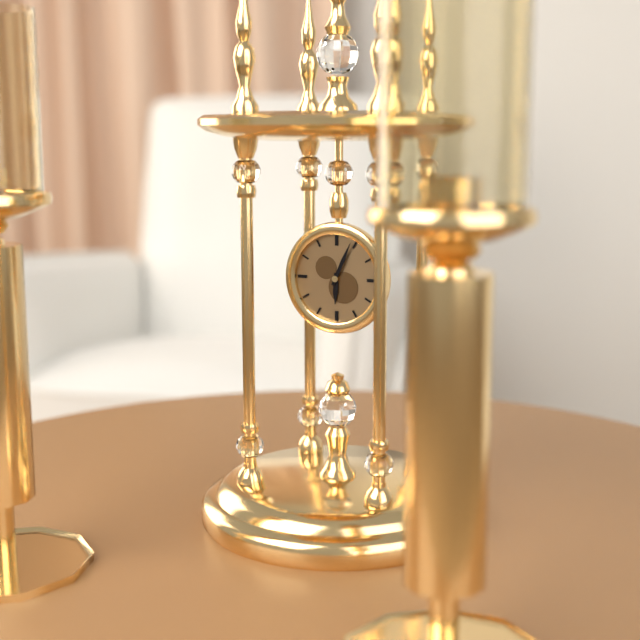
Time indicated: **6:04**
